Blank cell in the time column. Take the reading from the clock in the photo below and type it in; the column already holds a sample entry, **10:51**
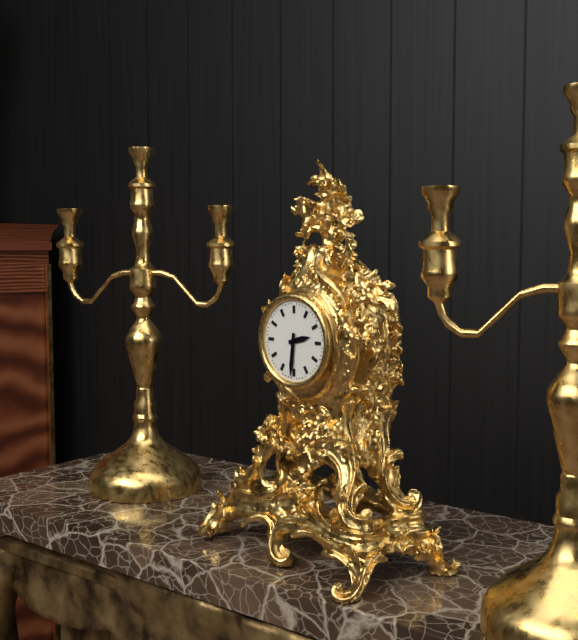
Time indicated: **2:31**
